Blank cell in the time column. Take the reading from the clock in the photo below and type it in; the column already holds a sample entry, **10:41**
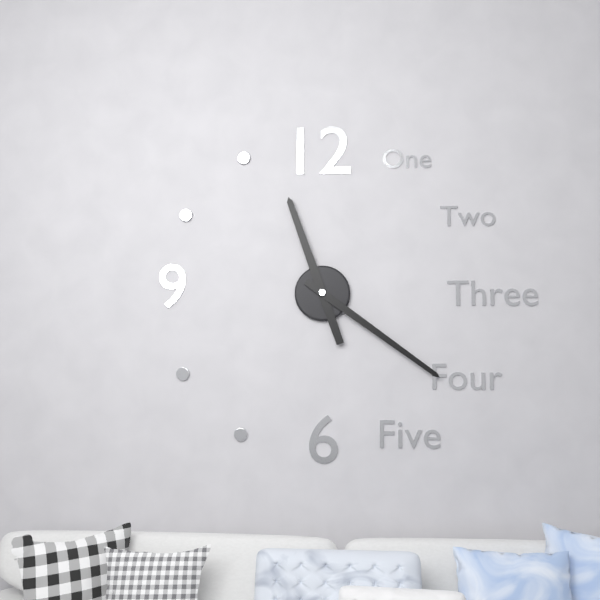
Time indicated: **11:21**
